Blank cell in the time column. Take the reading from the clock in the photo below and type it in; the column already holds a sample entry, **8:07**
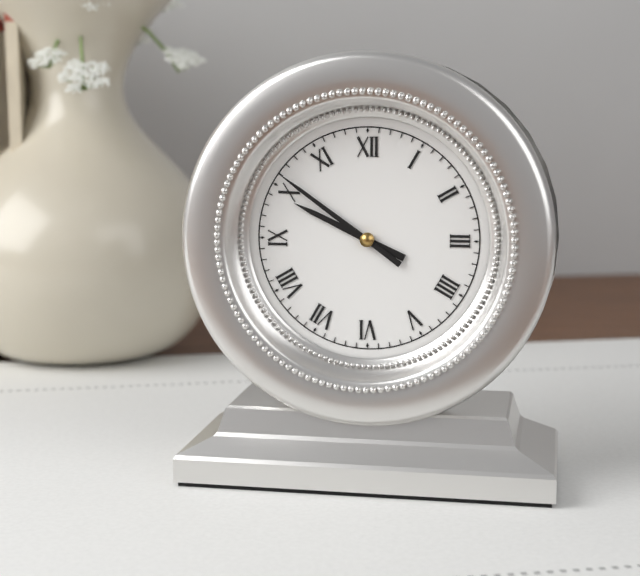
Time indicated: **9:51**
